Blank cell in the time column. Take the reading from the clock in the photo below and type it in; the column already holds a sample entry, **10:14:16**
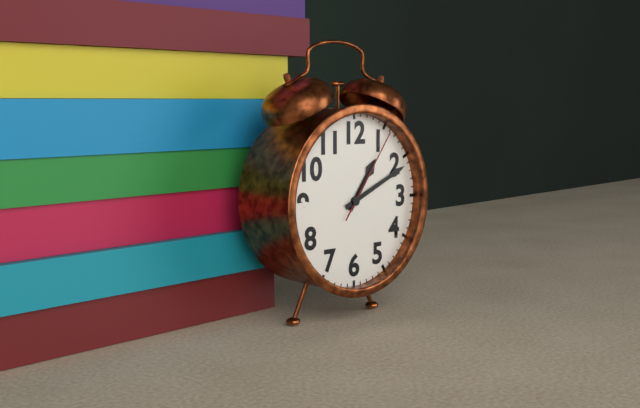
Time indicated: **1:11:06**
